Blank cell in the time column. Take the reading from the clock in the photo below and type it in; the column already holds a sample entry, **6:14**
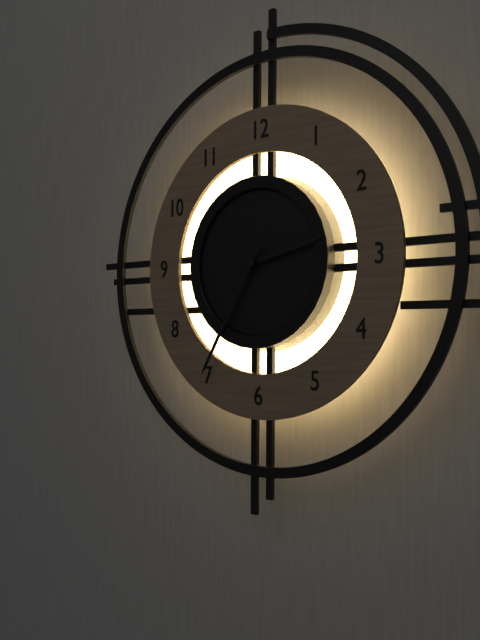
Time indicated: **2:35**
